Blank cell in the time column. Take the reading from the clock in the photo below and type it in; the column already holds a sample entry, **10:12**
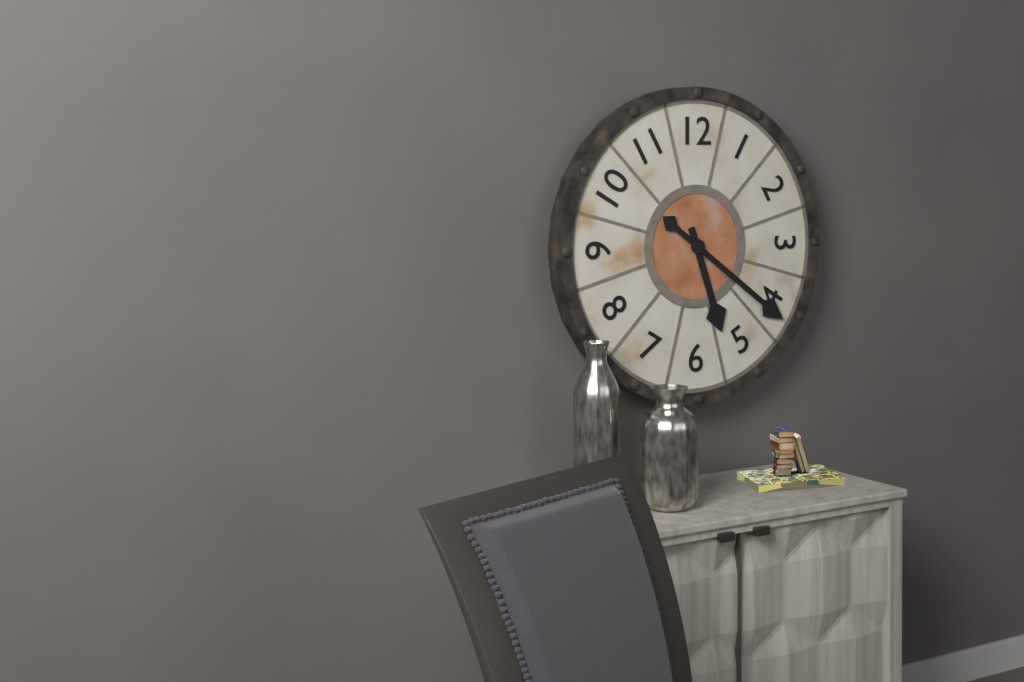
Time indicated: **5:21**
